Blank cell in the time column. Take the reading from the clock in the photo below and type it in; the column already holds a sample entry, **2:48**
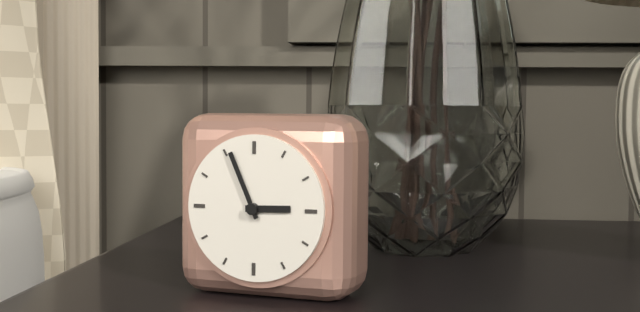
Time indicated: **2:56**
